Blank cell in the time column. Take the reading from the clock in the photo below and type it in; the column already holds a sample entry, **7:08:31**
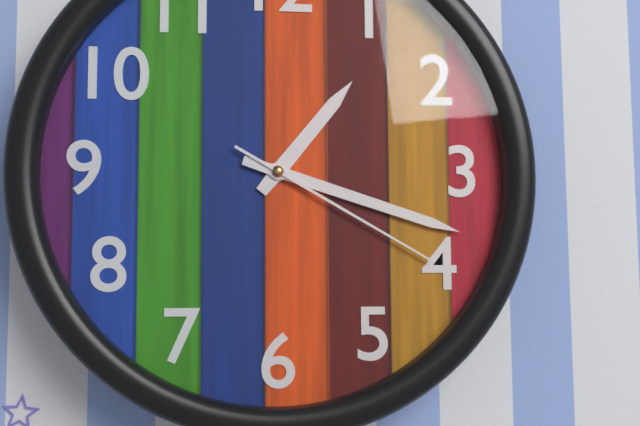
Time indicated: **1:18:20**
